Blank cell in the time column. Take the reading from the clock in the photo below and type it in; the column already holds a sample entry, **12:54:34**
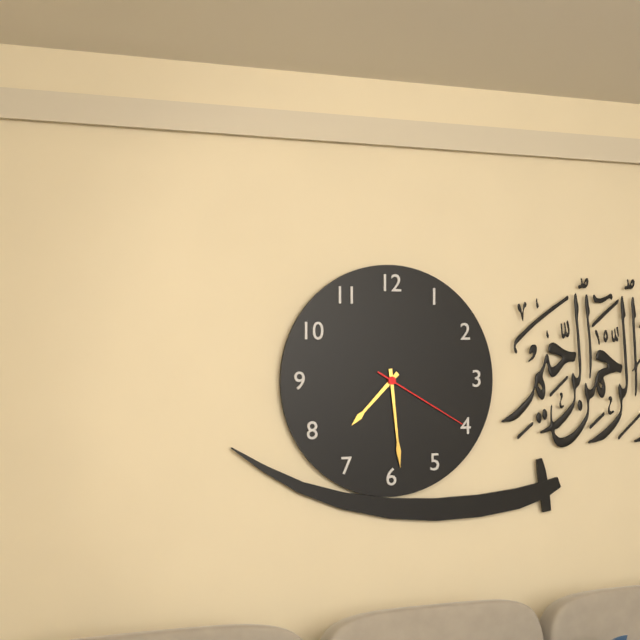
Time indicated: **7:29:20**
